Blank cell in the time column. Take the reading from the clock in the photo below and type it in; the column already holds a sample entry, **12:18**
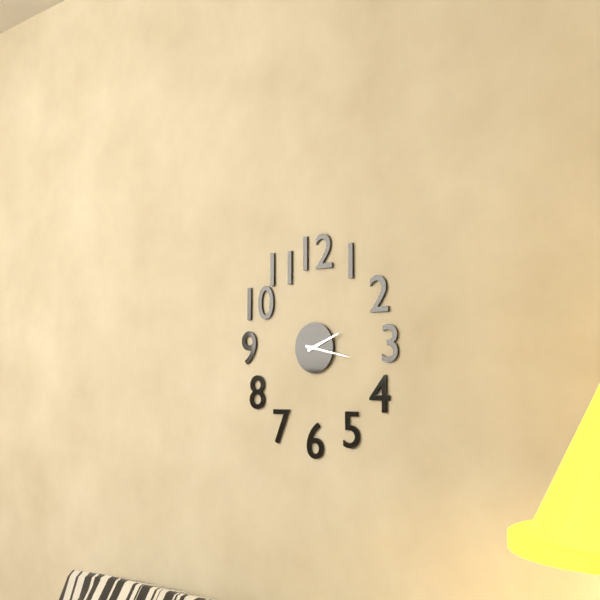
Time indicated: **2:17**
